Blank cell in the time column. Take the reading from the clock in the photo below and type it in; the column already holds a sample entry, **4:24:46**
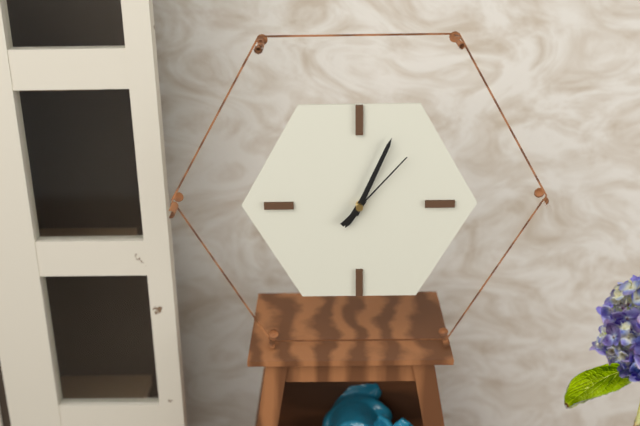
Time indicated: **7:04:07**
